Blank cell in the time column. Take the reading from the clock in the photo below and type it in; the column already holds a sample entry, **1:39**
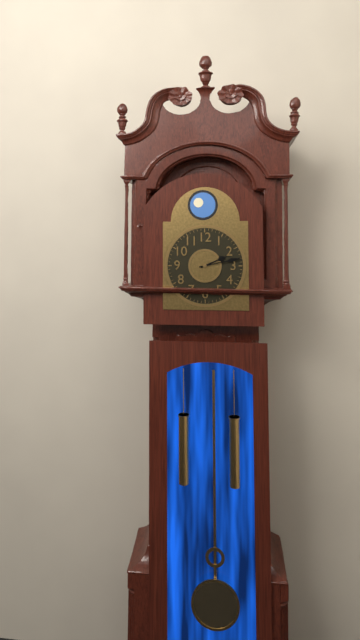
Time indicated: **2:13**
